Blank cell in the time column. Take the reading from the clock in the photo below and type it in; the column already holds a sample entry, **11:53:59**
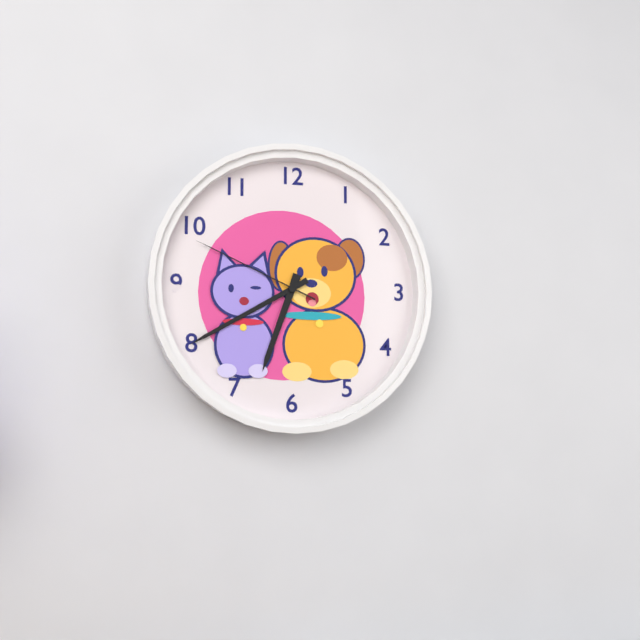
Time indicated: **6:40:49**
